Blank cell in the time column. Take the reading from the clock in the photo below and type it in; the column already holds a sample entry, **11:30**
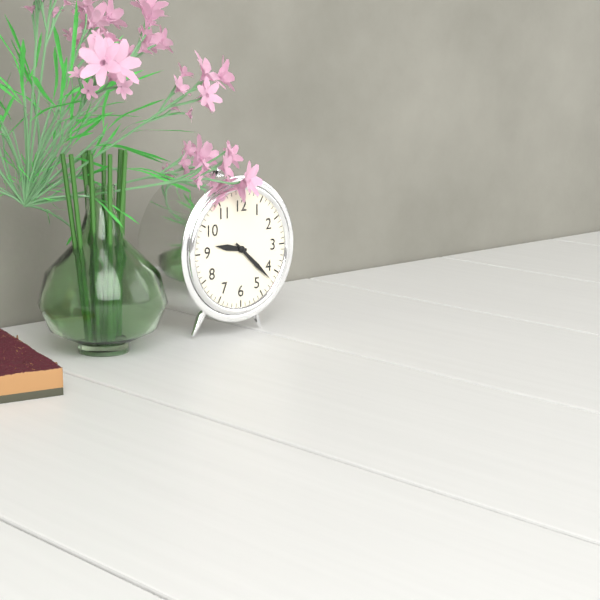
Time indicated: **9:22**
